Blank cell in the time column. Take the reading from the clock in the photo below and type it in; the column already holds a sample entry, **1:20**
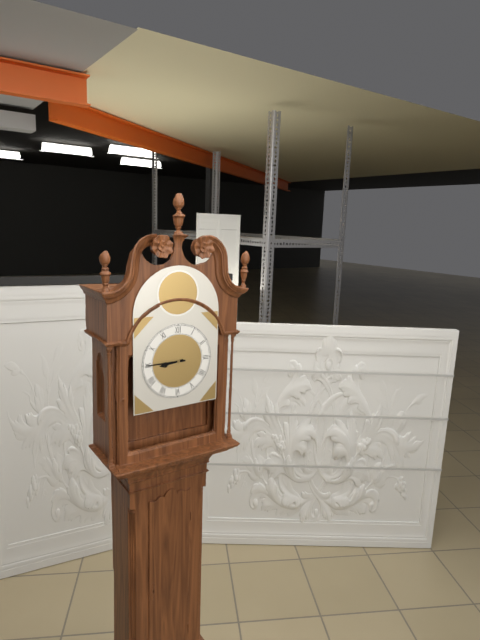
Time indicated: **8:45**
